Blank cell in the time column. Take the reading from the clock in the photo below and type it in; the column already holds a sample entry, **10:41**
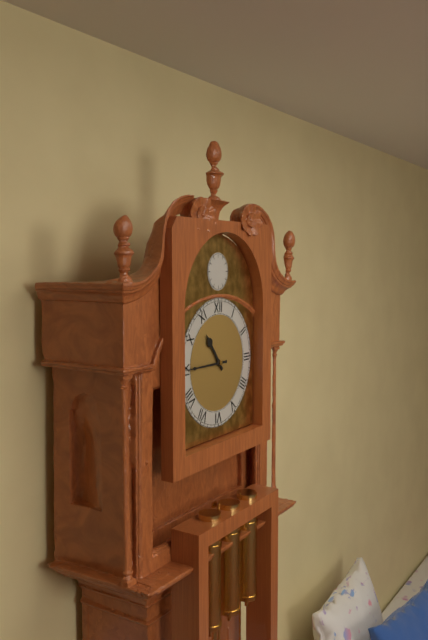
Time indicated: **10:45**
